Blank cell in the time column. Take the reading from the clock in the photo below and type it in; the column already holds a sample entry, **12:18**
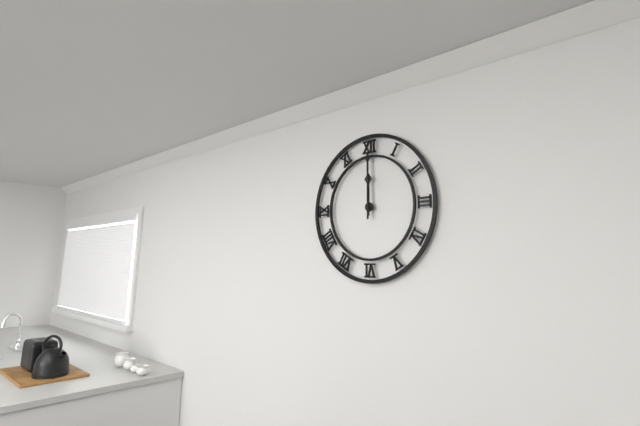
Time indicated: **12:00**
